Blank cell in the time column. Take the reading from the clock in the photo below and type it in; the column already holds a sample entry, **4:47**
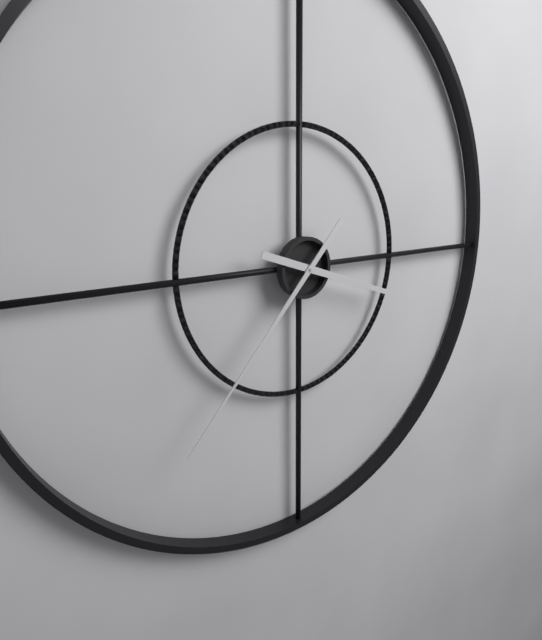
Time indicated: **3:37**
